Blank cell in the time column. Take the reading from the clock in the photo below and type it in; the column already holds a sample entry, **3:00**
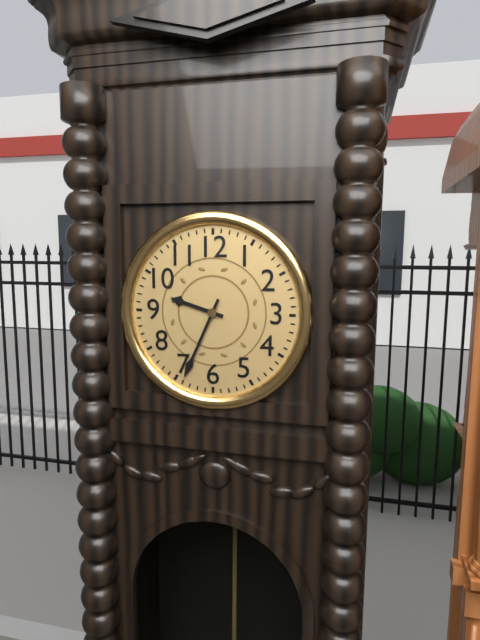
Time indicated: **9:34**
